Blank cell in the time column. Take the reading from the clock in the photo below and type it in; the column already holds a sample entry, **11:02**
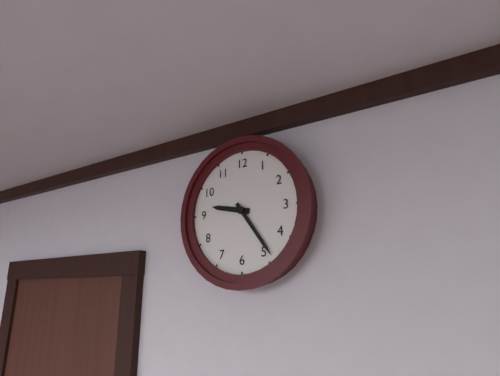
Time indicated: **9:24**
